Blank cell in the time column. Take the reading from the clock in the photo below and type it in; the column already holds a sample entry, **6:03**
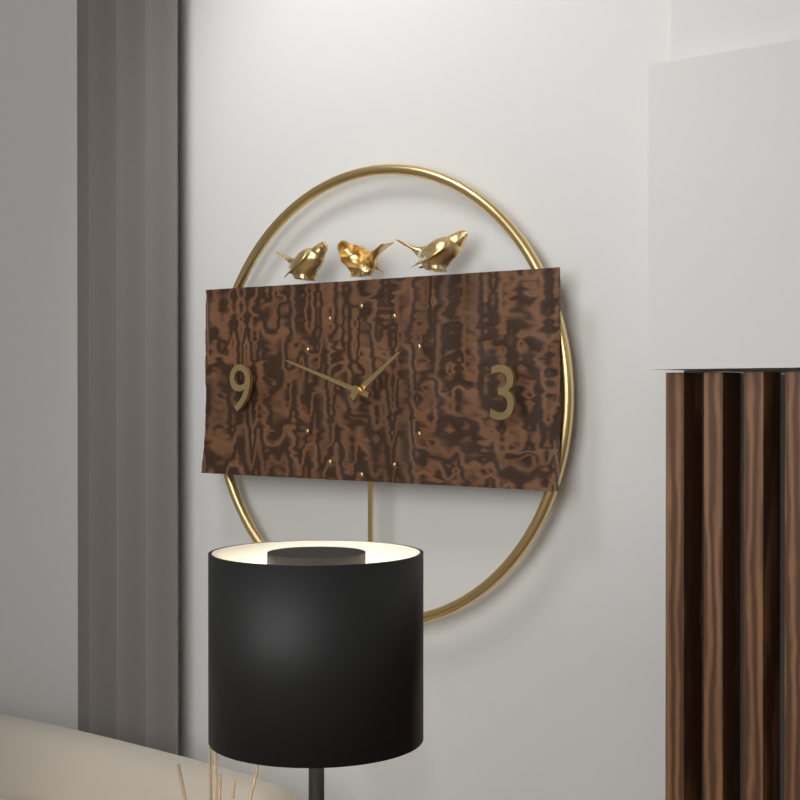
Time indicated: **1:48**
